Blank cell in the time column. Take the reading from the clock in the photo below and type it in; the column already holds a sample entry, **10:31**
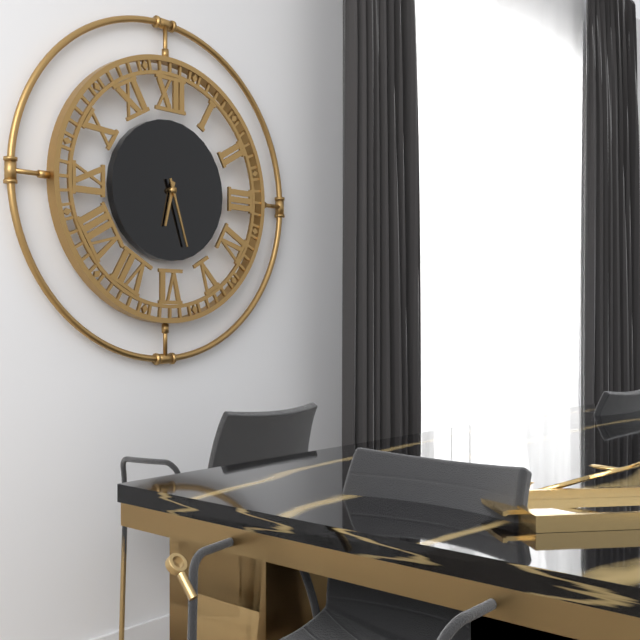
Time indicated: **6:27**
